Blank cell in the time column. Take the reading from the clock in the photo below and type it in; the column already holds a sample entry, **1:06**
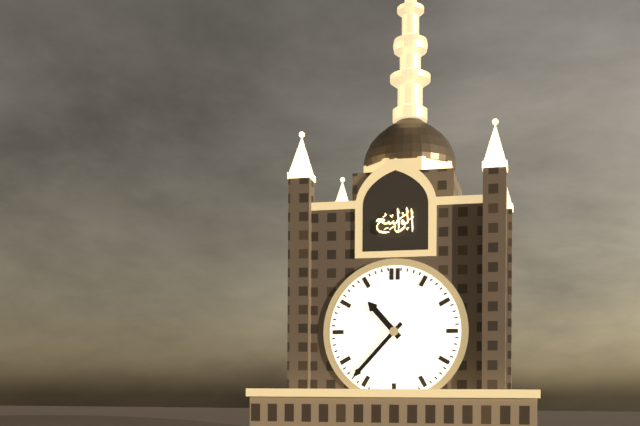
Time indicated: **10:37**
